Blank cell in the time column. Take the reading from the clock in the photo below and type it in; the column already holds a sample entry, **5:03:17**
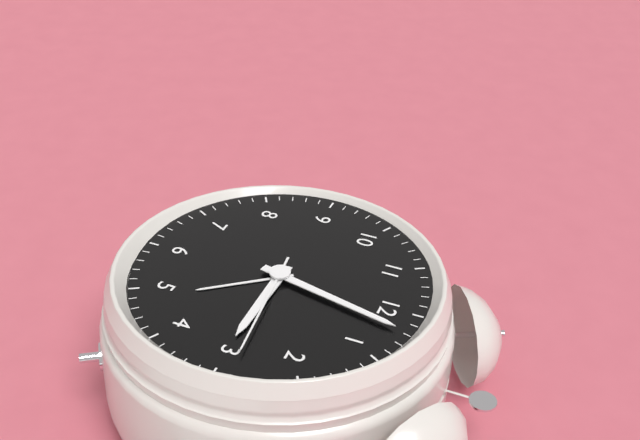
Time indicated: **3:02:14**
